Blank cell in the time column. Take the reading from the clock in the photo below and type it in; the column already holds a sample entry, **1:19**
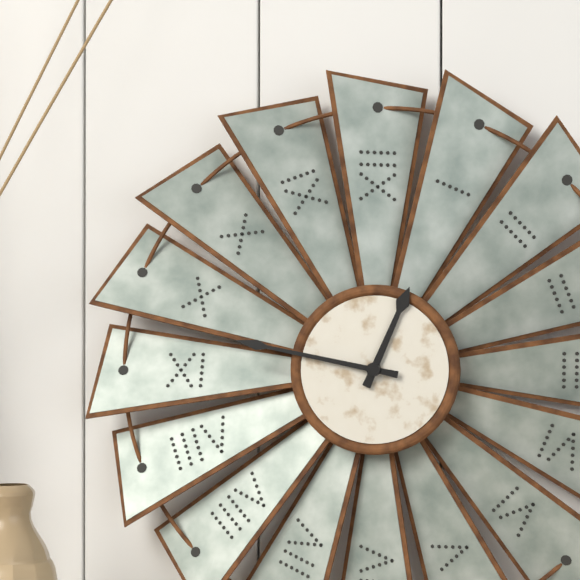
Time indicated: **12:47**
